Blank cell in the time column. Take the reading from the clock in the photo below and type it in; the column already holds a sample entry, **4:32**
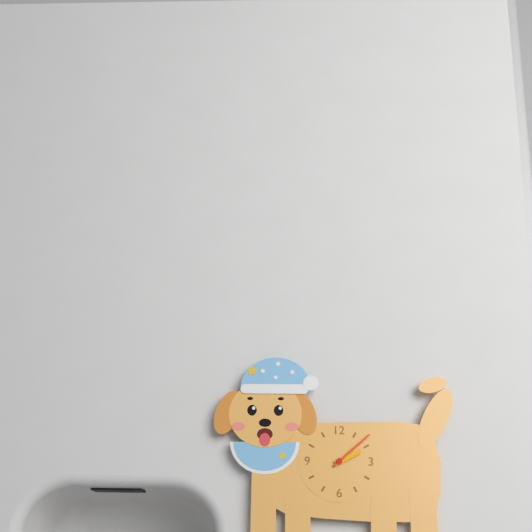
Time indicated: **2:08**
